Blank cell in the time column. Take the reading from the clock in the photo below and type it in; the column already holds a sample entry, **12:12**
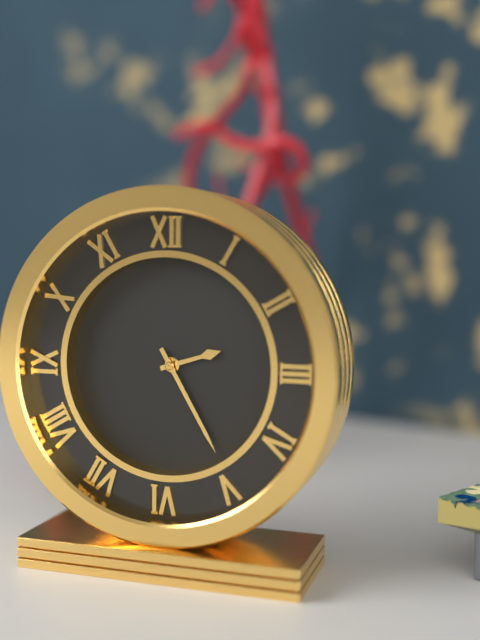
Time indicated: **2:25**
